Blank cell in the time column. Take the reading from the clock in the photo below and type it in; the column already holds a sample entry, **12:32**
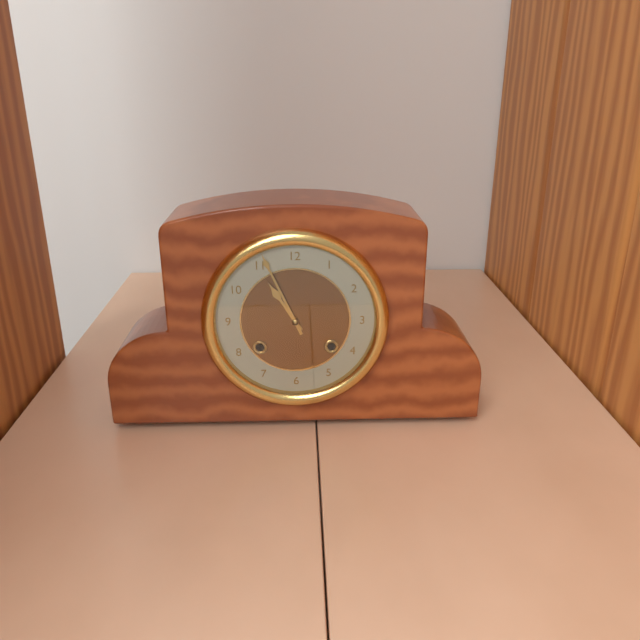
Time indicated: **10:56**
